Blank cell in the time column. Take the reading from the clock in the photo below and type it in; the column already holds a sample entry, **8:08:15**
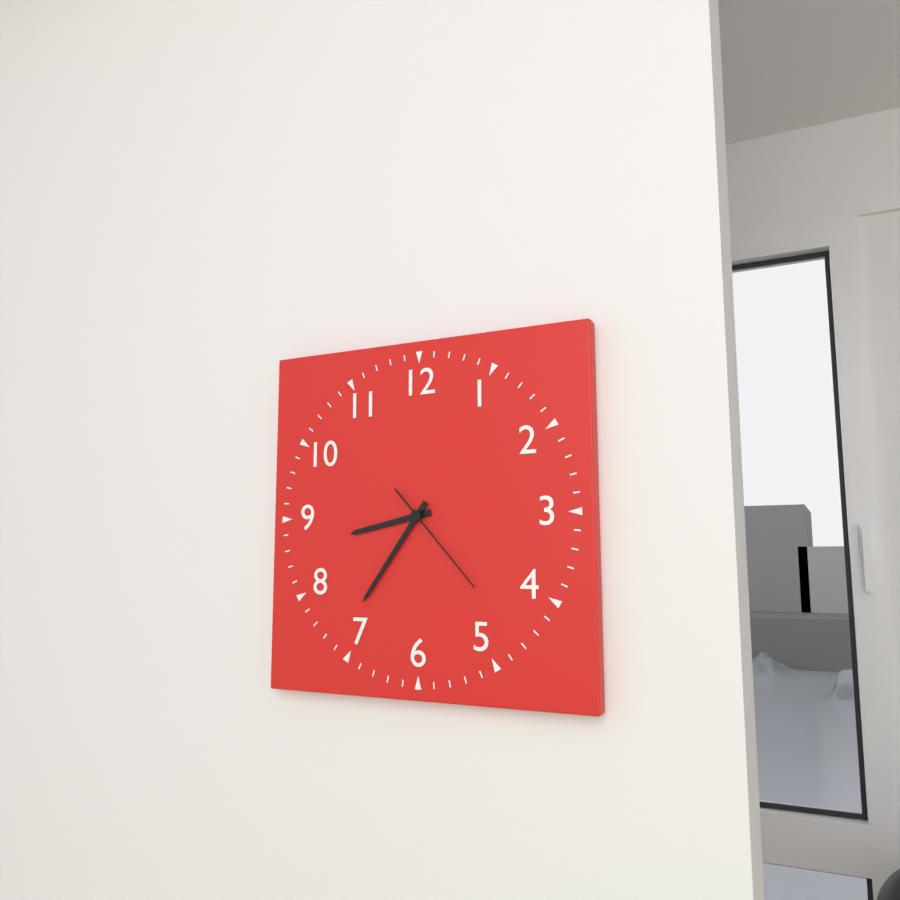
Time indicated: **8:36:23**
